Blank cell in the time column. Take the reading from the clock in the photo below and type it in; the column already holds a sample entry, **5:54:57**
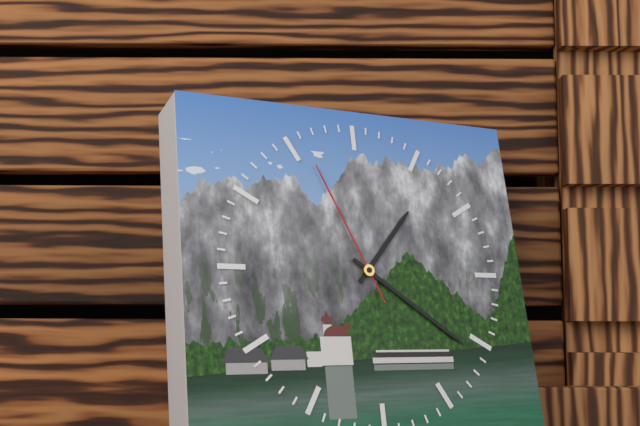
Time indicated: **1:21:56**
